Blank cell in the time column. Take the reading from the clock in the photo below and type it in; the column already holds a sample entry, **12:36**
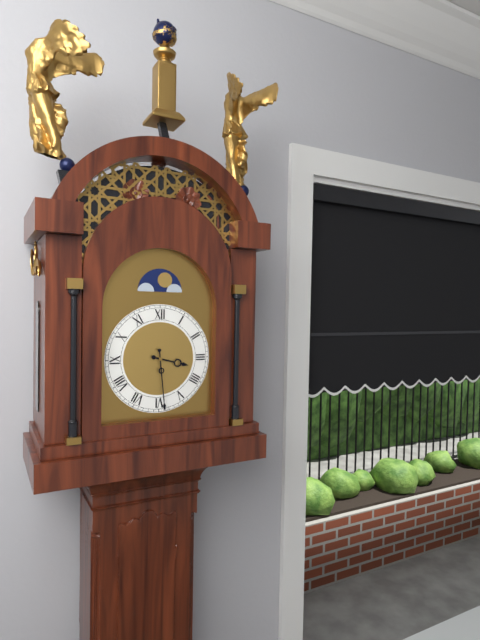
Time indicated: **3:29**
